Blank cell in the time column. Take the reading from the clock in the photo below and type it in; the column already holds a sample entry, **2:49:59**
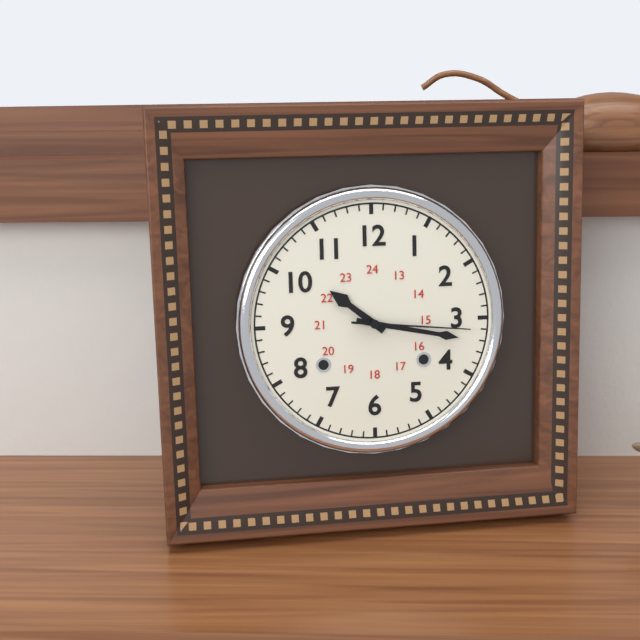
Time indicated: **10:17:16**
